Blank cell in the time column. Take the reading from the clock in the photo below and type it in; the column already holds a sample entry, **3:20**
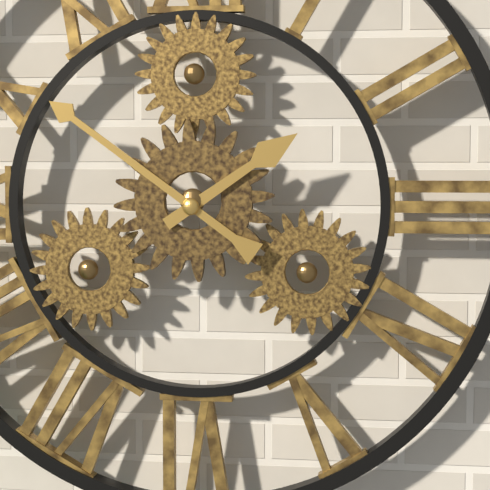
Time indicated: **1:51**
